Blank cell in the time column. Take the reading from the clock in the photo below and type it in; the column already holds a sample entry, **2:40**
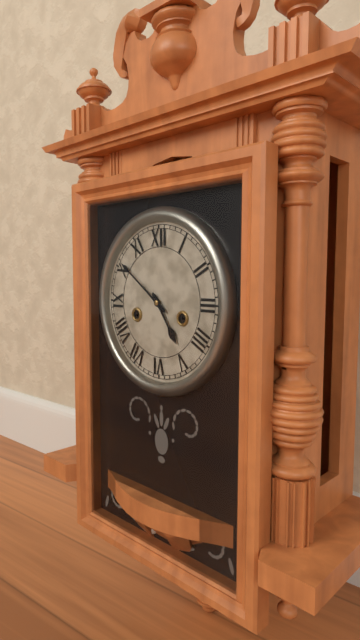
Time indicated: **4:51**
